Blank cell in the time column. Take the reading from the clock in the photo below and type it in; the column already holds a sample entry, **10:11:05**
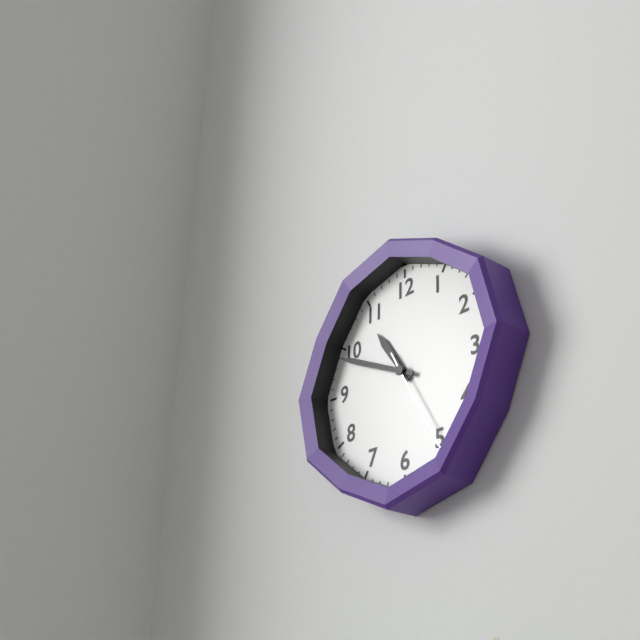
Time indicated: **10:49:25**
